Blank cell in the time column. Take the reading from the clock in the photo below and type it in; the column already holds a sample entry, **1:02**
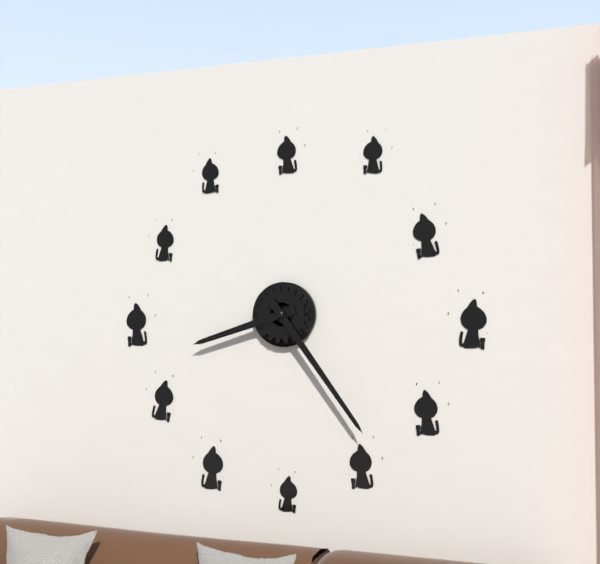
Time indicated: **8:24**
